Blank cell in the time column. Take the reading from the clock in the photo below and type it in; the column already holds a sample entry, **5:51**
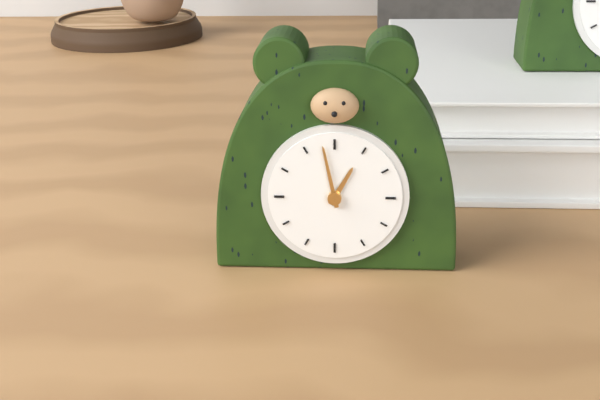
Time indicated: **12:58**
